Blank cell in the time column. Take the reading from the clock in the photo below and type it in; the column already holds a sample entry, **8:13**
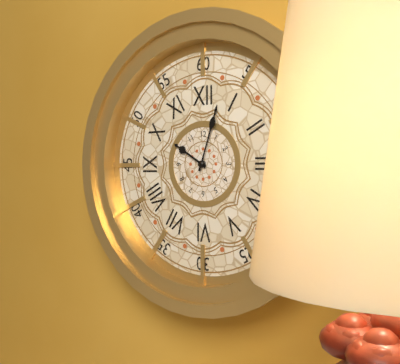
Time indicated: **10:03**
